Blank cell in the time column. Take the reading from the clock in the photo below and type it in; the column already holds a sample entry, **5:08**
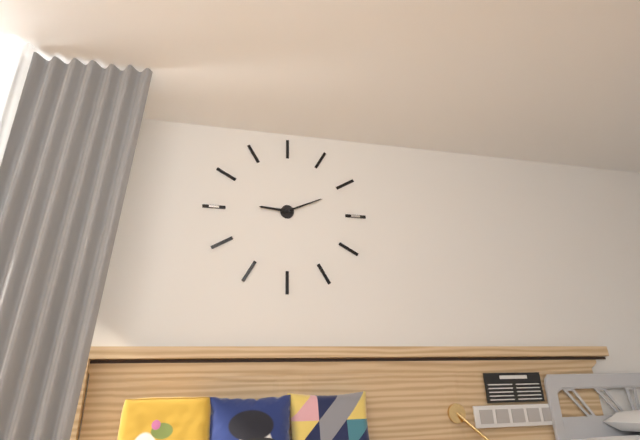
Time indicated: **9:11**
